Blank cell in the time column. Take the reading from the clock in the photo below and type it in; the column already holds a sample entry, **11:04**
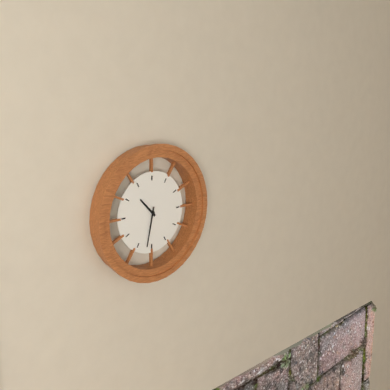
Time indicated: **10:32**
